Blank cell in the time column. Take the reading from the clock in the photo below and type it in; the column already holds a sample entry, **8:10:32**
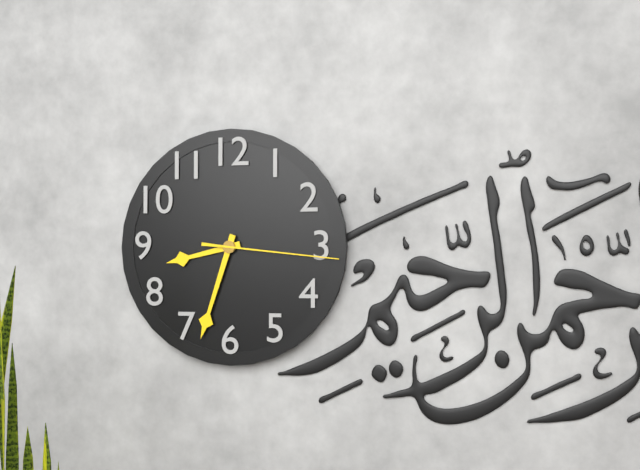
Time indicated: **8:33:16**
